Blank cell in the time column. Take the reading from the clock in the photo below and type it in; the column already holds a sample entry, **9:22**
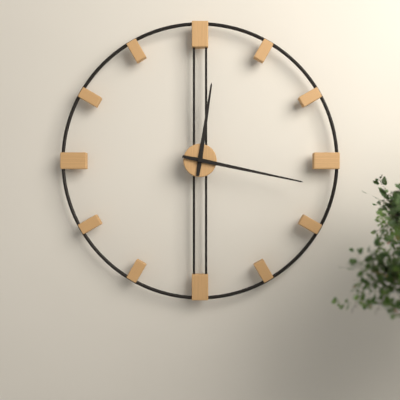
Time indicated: **12:17**
